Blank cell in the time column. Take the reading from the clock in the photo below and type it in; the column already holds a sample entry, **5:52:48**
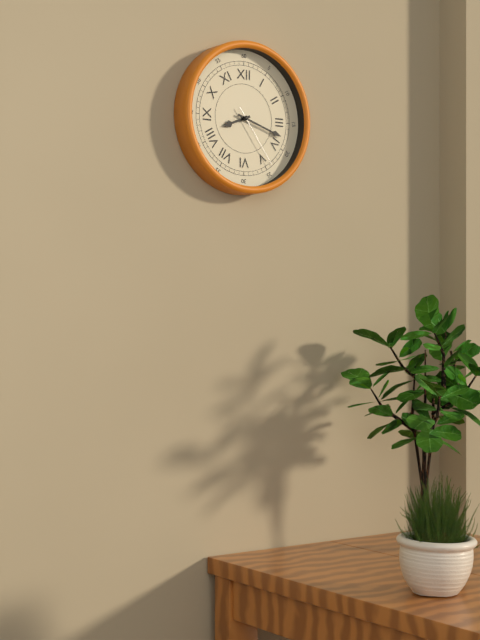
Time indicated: **8:18:24**
